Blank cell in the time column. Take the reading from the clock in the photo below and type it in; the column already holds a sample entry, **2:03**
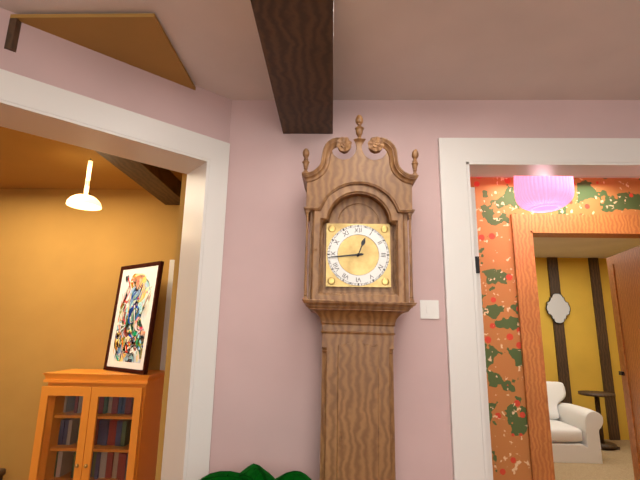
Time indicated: **12:44**
